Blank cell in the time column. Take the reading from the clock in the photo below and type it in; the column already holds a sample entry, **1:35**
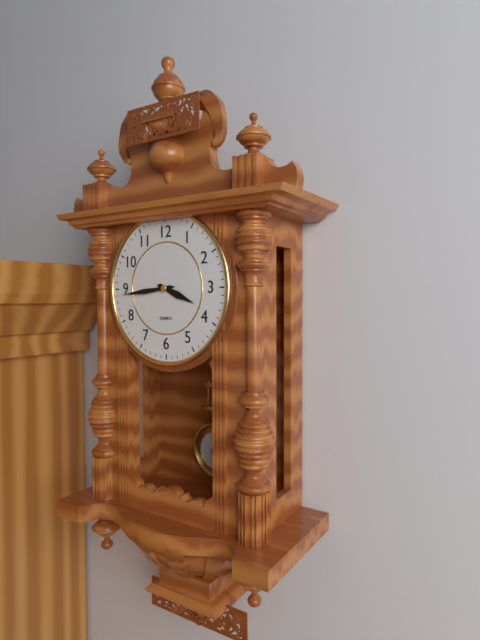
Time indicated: **3:44**
